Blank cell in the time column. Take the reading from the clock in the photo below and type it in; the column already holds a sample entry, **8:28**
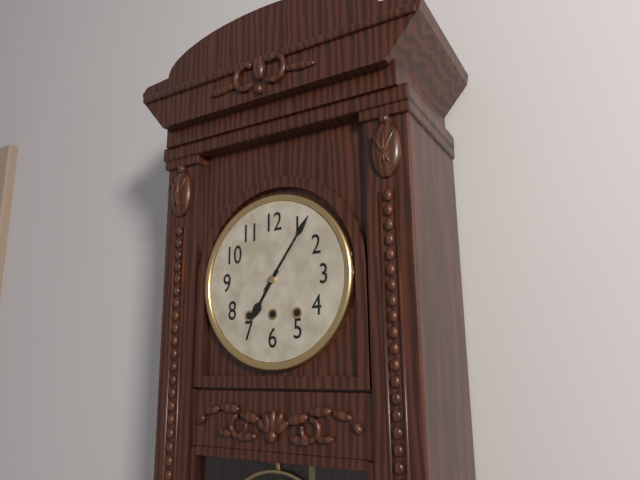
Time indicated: **7:06**
